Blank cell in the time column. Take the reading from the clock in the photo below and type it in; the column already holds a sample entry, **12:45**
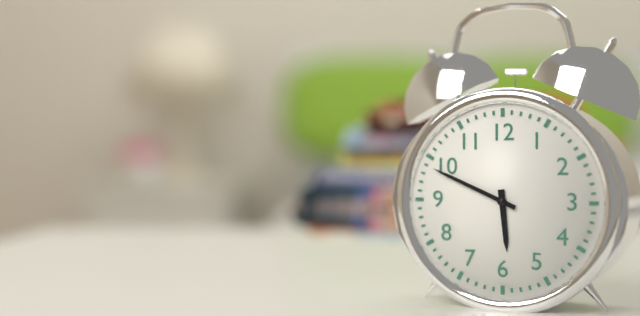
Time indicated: **5:49**
